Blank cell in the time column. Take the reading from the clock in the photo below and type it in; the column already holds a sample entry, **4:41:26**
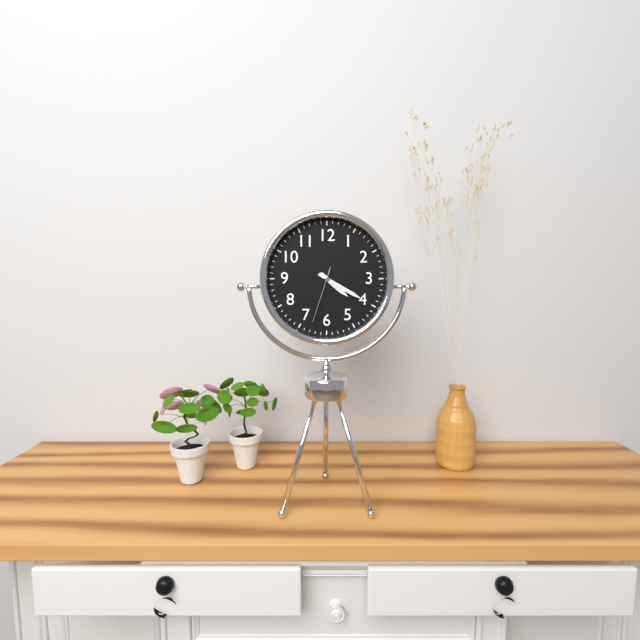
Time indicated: **4:20:33**
